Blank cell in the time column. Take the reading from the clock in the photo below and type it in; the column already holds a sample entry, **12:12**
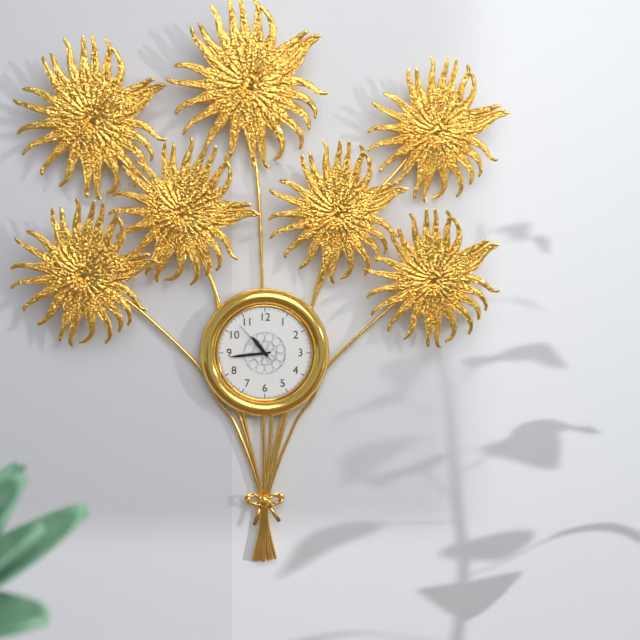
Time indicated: **10:44**
